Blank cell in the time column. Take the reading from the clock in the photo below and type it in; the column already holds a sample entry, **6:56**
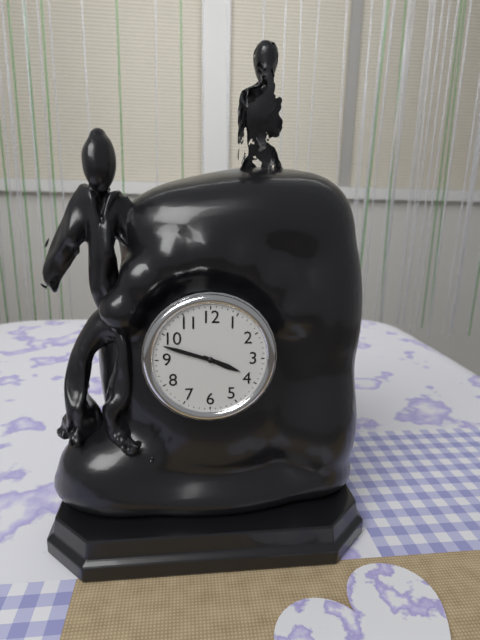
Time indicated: **3:48**
